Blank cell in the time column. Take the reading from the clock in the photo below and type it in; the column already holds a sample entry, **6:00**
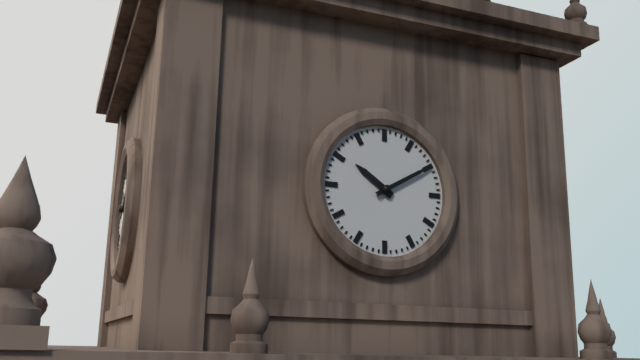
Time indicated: **10:10**
